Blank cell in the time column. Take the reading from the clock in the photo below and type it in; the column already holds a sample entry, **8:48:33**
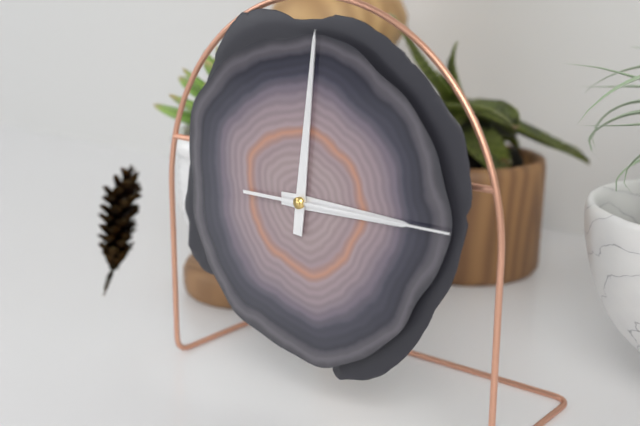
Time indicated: **3:01:15**
